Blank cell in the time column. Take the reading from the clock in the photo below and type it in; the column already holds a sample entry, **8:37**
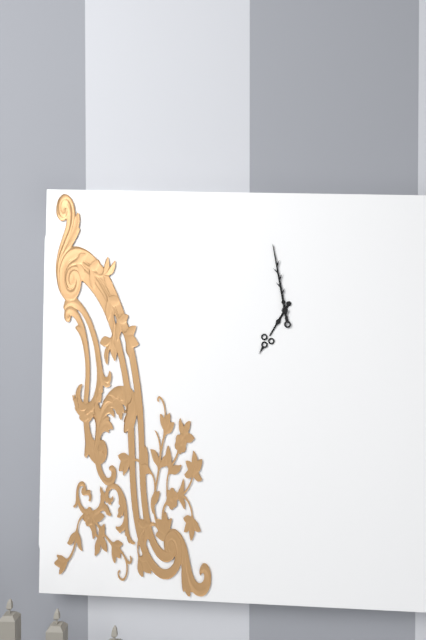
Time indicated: **6:58**
